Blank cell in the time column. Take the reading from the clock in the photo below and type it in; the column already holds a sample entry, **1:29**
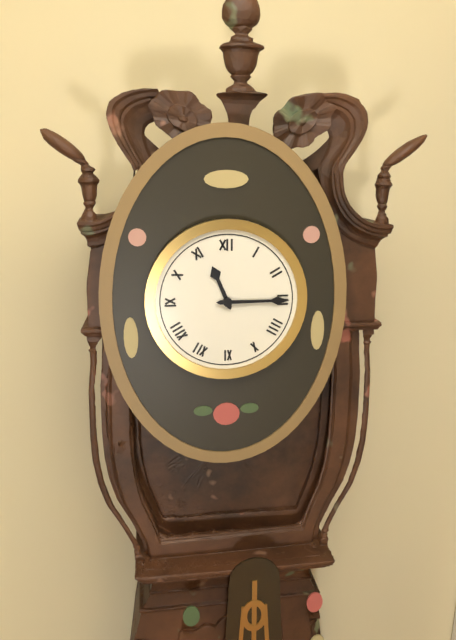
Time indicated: **11:15**
